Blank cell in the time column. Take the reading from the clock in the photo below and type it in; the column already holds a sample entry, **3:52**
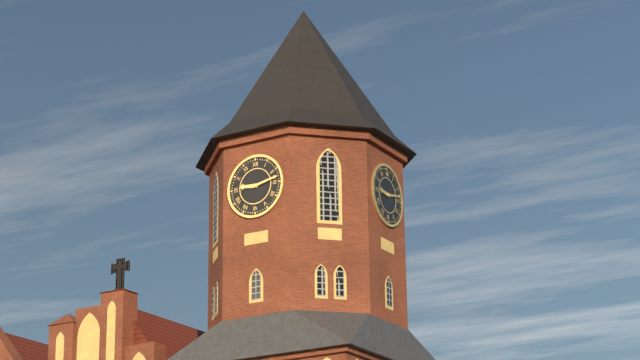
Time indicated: **9:13**
